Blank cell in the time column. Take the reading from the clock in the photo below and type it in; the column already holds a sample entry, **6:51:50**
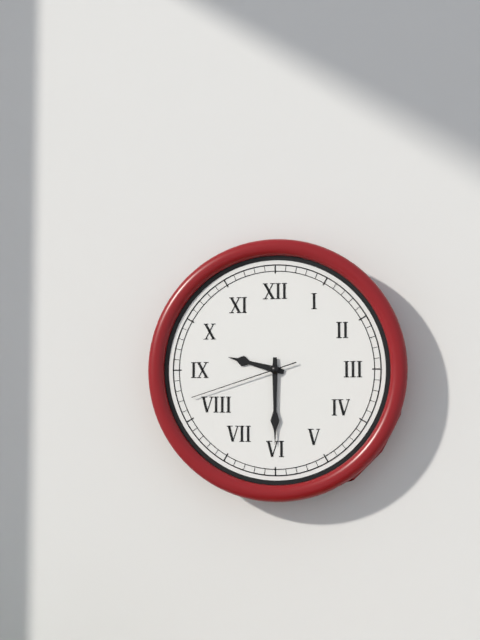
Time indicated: **9:30:42**
